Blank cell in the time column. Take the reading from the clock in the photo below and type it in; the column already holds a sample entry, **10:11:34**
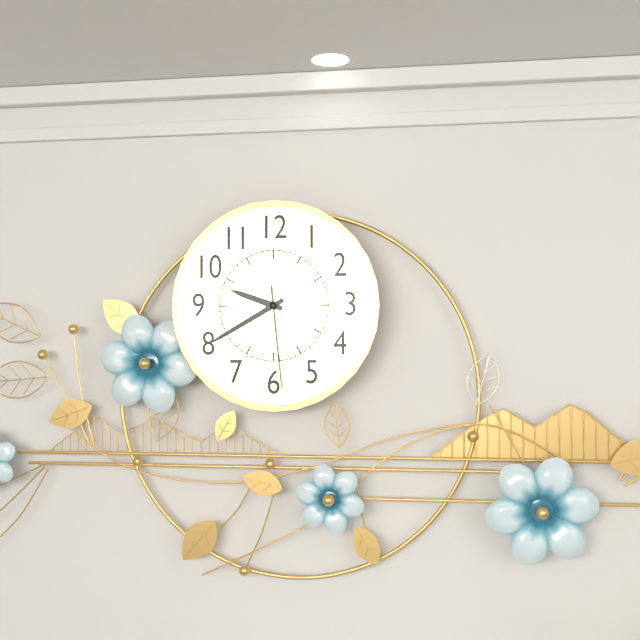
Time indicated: **9:40:29**
